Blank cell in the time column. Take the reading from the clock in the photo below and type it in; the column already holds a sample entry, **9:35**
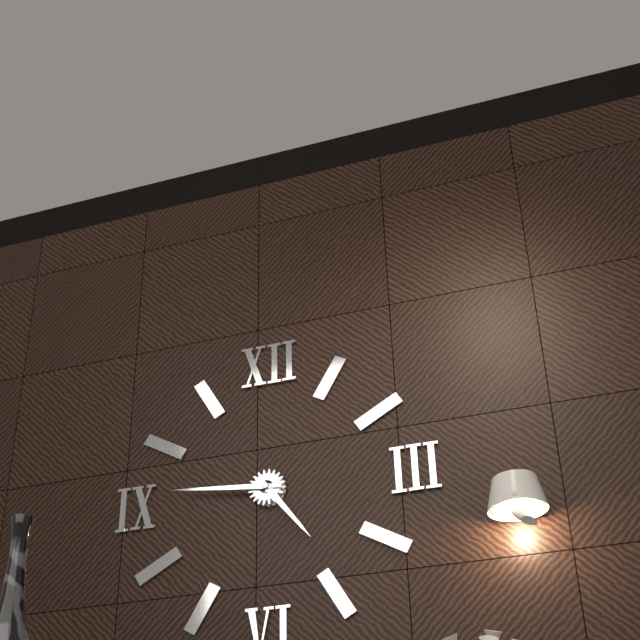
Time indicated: **4:46**
